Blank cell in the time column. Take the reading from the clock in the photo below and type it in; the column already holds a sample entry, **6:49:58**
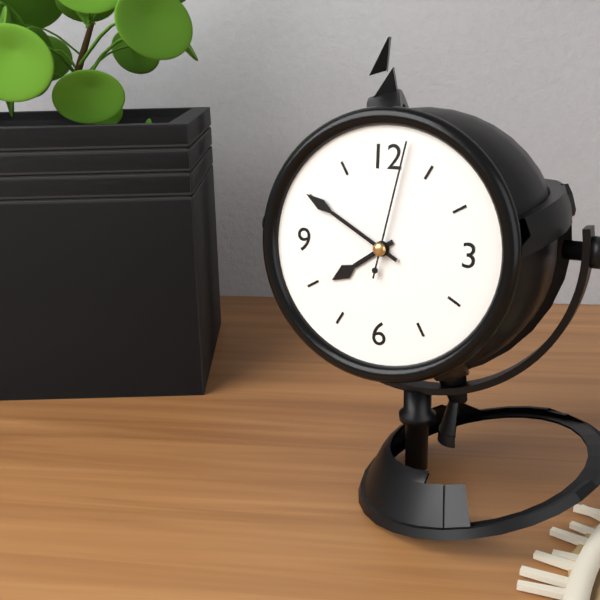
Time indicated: **7:50:02**
